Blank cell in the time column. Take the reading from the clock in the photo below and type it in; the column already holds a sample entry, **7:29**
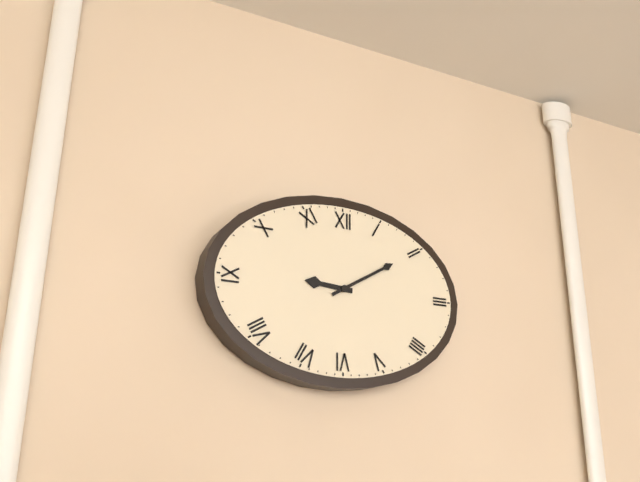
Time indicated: **9:10**
